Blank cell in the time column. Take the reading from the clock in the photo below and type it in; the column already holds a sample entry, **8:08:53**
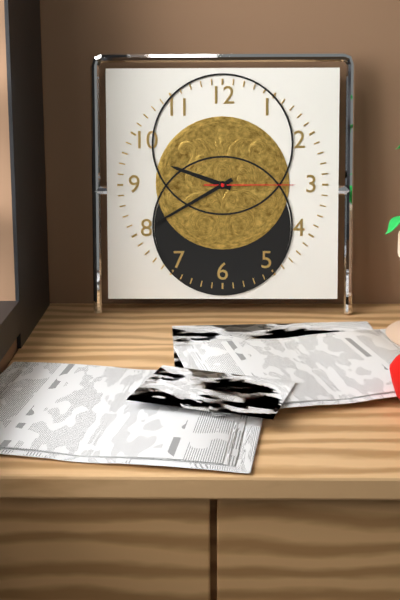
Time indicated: **9:40:15**
